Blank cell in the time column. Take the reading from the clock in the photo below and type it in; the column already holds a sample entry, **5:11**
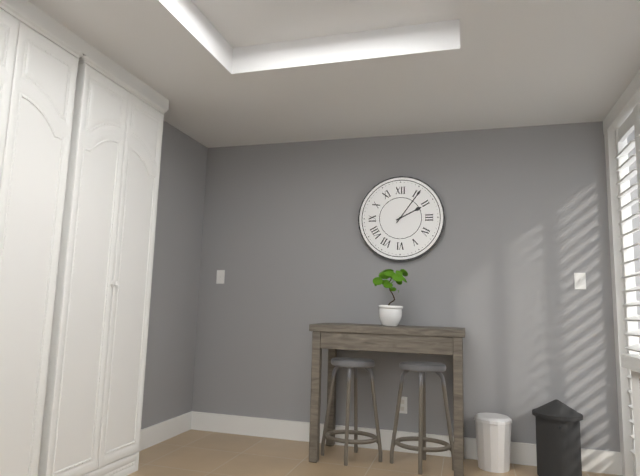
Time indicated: **2:06**
